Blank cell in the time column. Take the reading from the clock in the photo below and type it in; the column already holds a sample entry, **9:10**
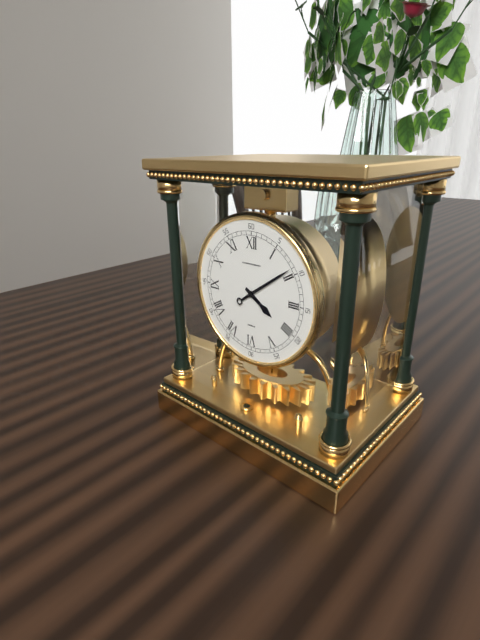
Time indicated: **4:09**
